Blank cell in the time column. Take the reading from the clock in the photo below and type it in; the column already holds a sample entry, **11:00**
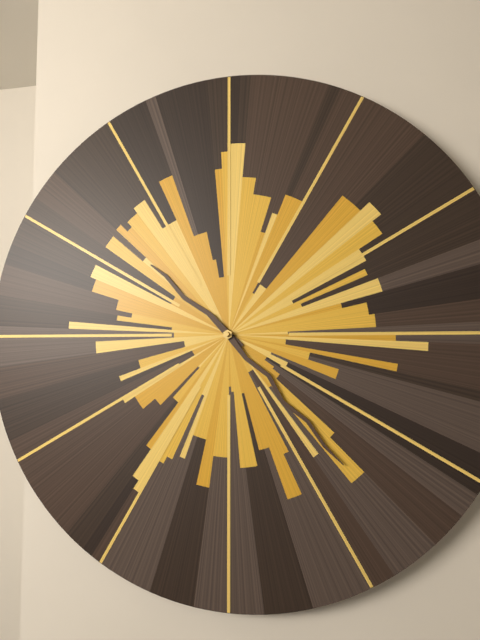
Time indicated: **10:23**
